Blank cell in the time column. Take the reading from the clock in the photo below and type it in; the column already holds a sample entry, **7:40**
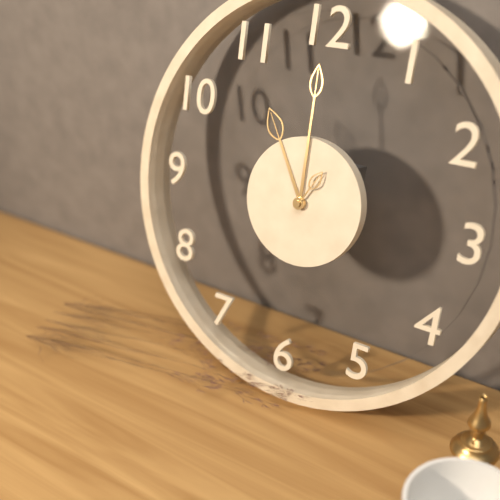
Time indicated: **11:00**
